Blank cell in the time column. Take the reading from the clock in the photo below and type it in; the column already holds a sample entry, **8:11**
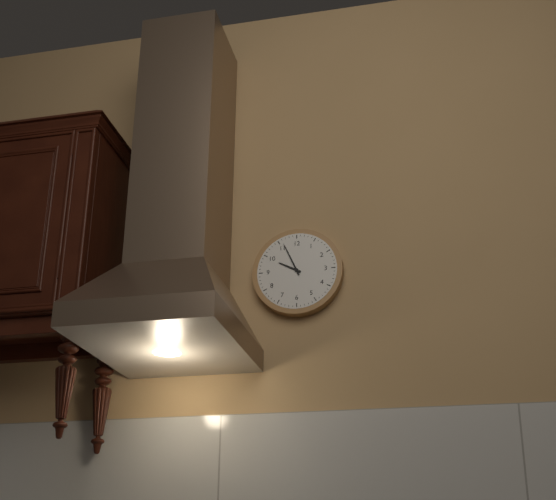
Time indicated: **9:56**
